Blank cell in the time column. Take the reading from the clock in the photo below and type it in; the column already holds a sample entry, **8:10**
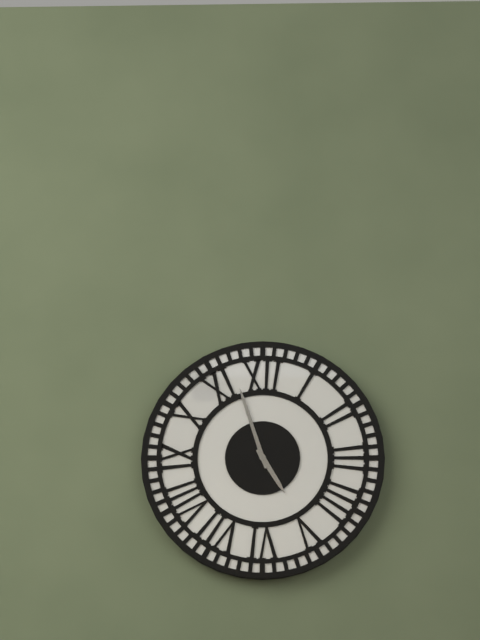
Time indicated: **4:57**
